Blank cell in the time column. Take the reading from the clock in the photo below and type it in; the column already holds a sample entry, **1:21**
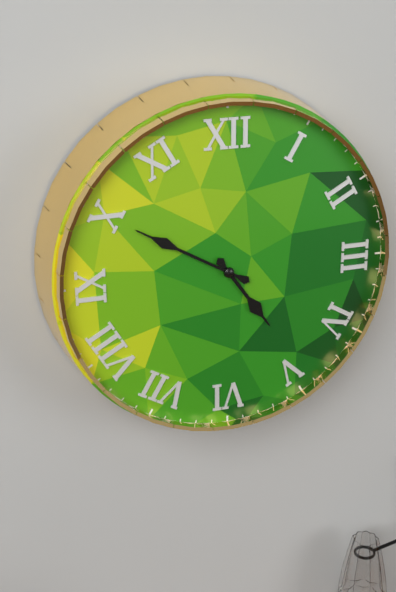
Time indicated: **4:50**
